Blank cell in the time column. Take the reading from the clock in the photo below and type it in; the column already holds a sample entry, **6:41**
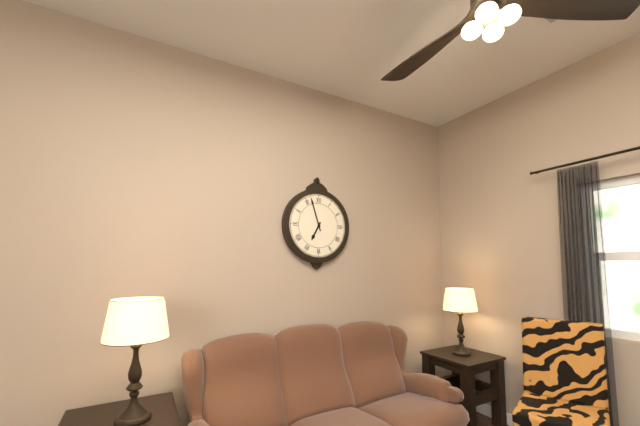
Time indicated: **6:57**
